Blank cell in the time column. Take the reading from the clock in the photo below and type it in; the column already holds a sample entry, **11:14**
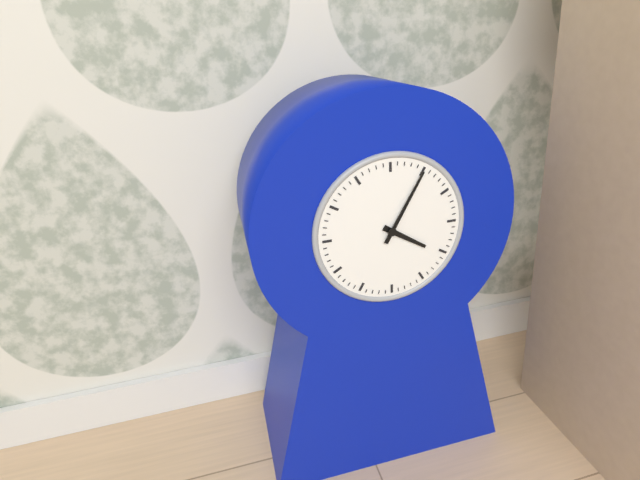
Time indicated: **4:05**
